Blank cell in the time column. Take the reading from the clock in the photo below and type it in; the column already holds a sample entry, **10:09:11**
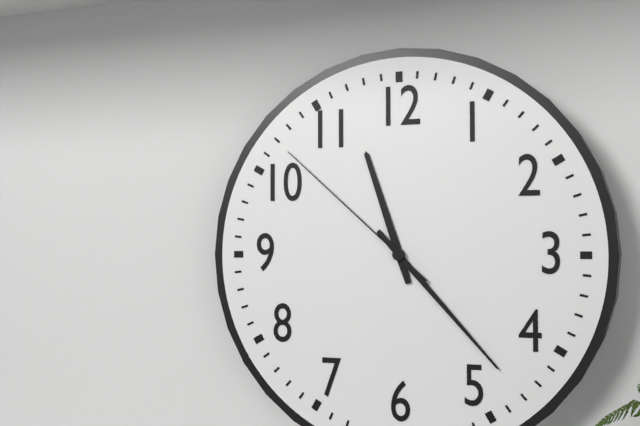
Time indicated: **11:23:52**
